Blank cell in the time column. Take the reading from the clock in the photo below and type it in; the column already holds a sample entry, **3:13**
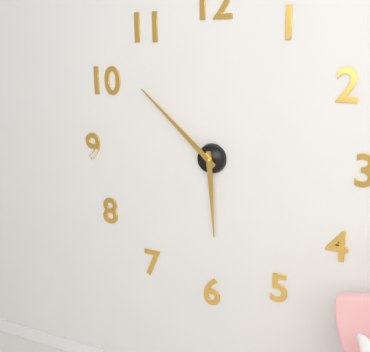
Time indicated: **5:52**
